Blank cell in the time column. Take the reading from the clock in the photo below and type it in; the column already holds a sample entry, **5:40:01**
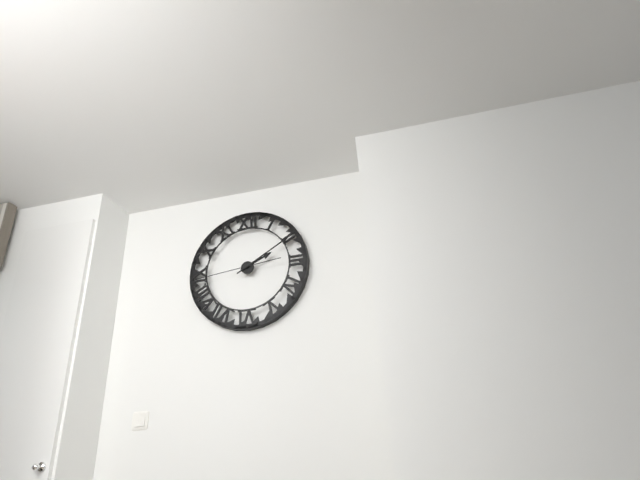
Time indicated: **2:10:44**
